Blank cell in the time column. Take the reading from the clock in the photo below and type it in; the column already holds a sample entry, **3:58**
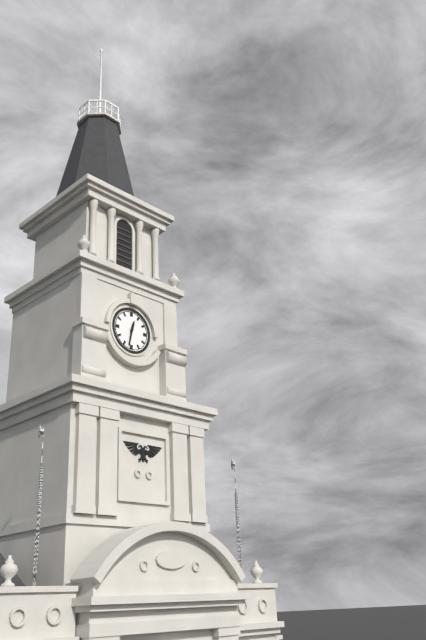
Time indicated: **12:32**
